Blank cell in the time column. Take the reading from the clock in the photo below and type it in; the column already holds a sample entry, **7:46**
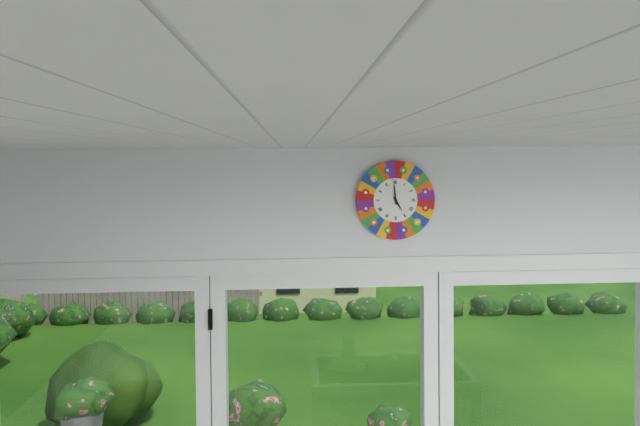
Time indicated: **4:59**
